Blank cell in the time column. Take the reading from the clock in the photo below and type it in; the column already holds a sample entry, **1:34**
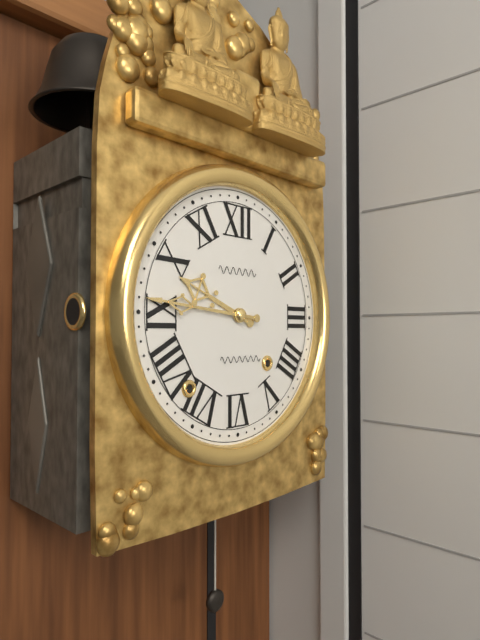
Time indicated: **9:46**
